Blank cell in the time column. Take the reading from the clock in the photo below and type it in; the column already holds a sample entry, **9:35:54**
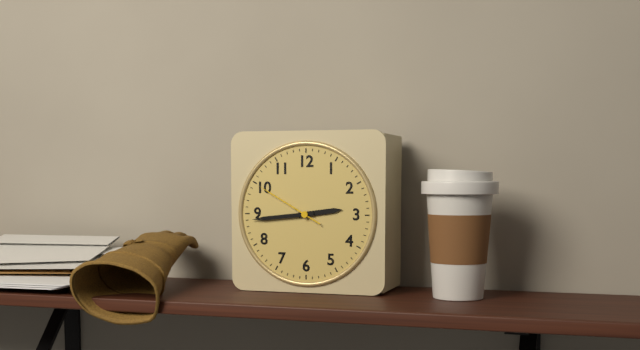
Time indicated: **2:44:50**
